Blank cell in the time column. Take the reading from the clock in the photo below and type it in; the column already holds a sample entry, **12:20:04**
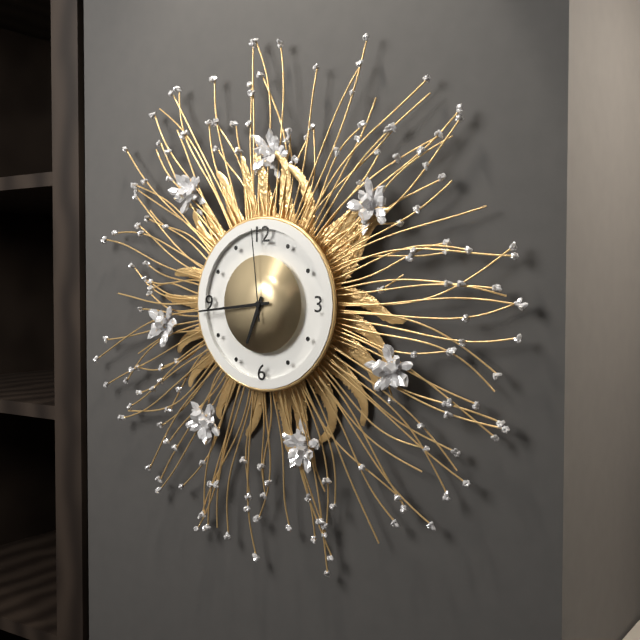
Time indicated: **6:44:59**
